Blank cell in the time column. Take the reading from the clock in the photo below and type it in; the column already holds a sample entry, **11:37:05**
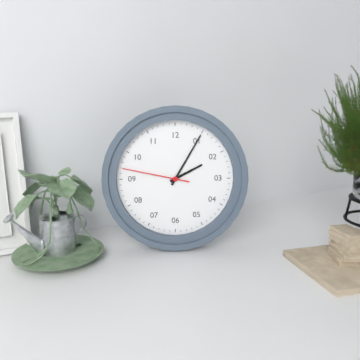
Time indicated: **2:05:47**
